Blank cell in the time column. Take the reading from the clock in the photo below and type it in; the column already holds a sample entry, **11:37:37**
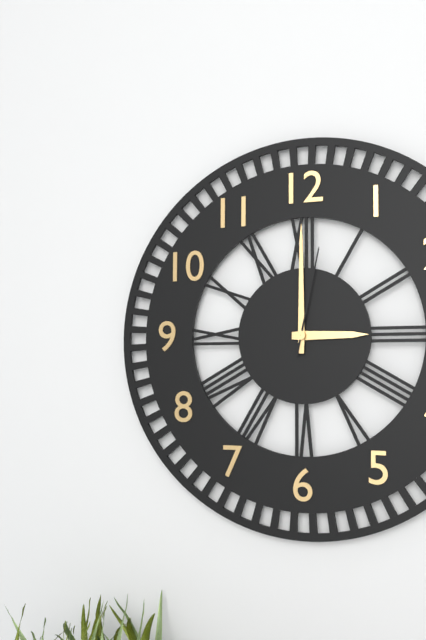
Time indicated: **3:00:02**
